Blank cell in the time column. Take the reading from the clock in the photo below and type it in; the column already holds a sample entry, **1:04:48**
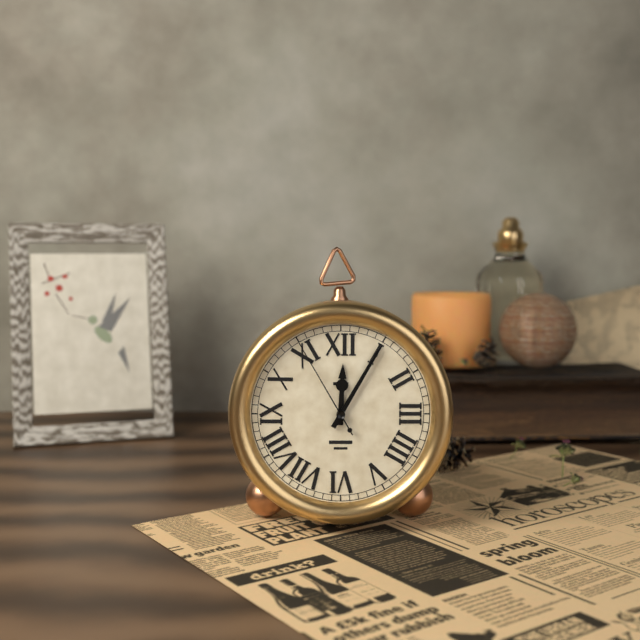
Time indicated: **12:05:55**
